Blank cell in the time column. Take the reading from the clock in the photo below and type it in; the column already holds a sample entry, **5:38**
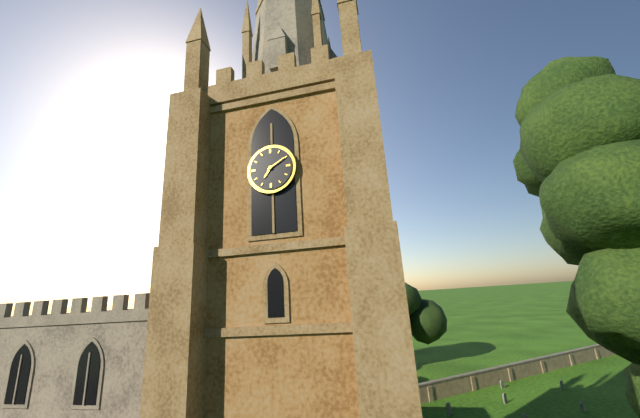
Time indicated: **7:10**
